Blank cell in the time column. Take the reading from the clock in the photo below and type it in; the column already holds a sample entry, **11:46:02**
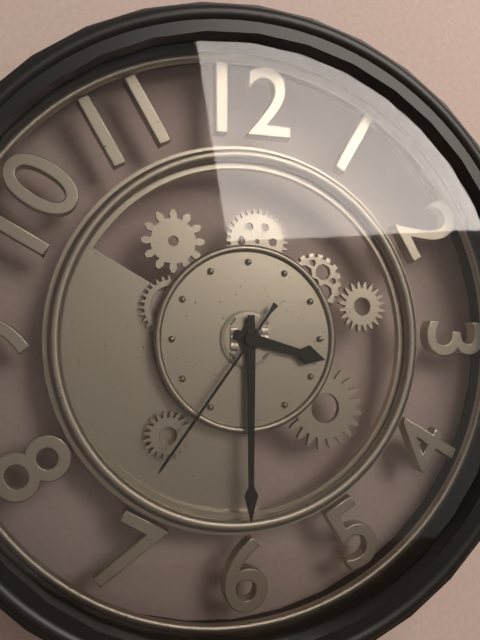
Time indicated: **3:30:36**
